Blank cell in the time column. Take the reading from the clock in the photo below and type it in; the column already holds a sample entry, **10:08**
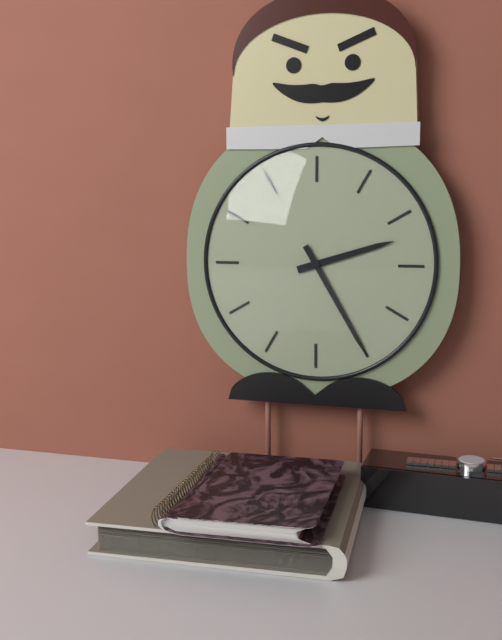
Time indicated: **2:25**
